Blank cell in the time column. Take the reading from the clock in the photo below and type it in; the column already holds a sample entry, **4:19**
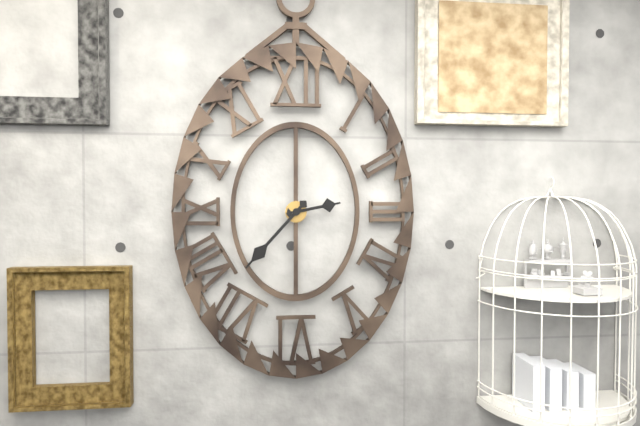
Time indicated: **2:37**
